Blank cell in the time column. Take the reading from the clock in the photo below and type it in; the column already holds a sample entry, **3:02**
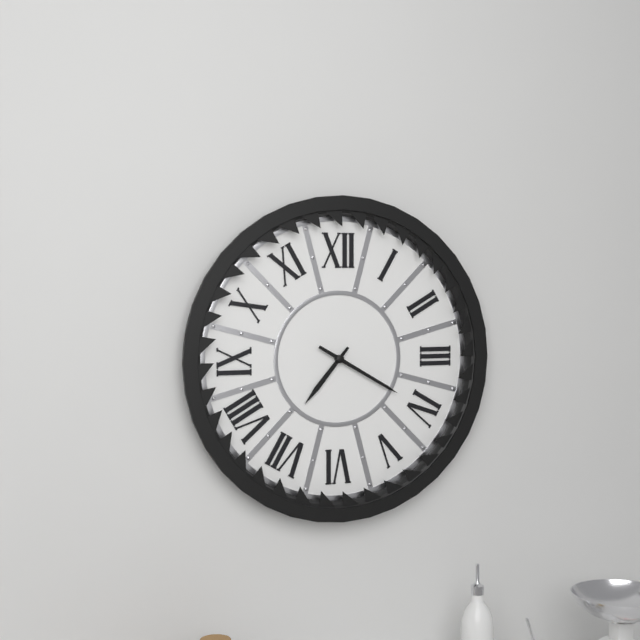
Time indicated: **7:20**
